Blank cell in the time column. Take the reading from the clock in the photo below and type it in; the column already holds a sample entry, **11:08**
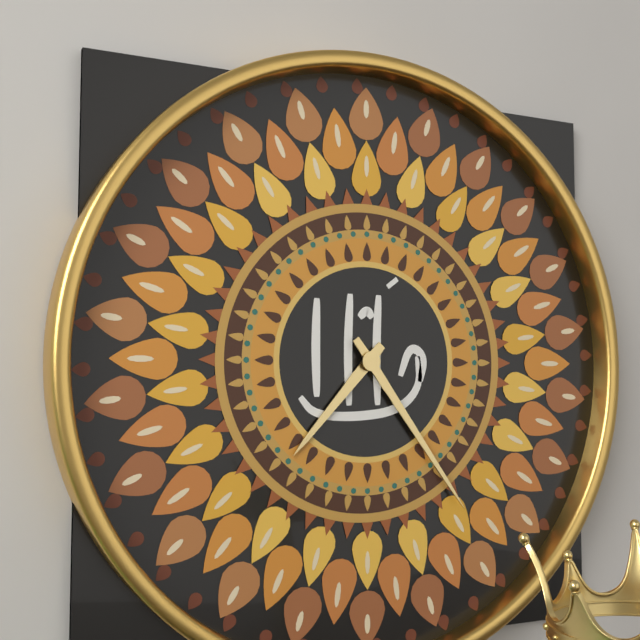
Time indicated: **7:24**
